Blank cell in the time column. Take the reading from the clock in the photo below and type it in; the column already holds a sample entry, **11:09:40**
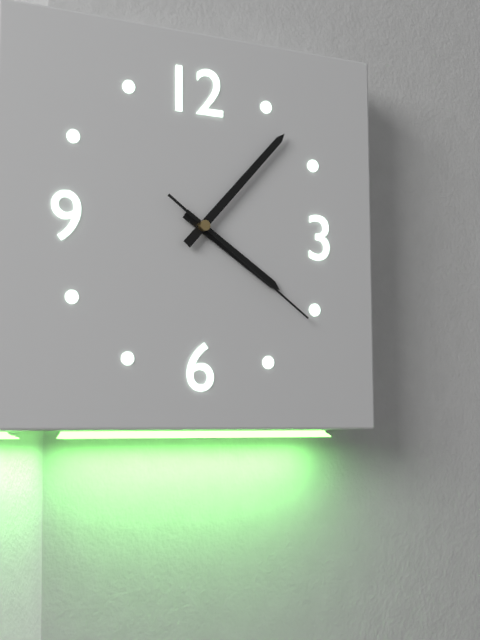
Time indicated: **4:07:21**
